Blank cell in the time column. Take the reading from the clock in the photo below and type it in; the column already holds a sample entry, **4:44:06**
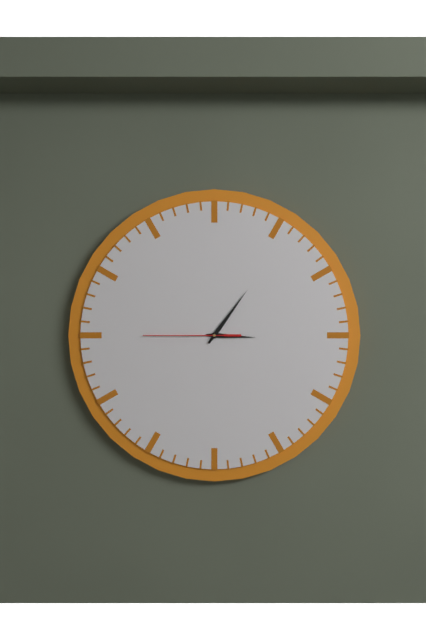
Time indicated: **3:06:45**
